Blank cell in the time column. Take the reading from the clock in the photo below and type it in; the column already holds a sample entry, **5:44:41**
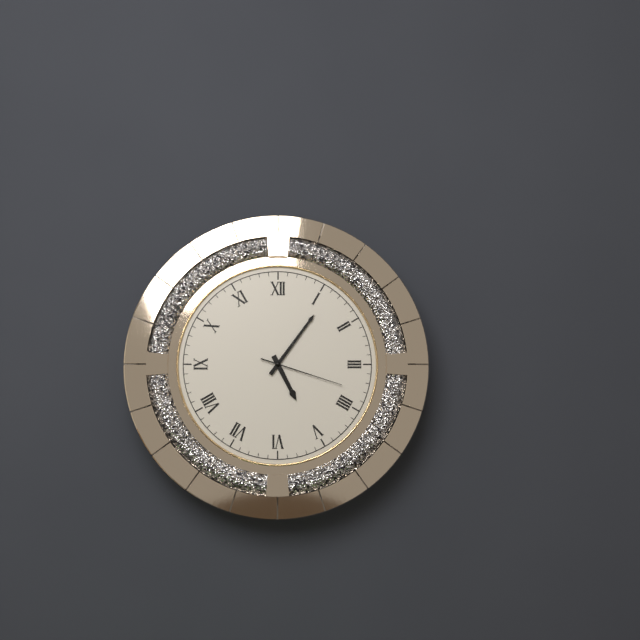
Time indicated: **5:06:18**
